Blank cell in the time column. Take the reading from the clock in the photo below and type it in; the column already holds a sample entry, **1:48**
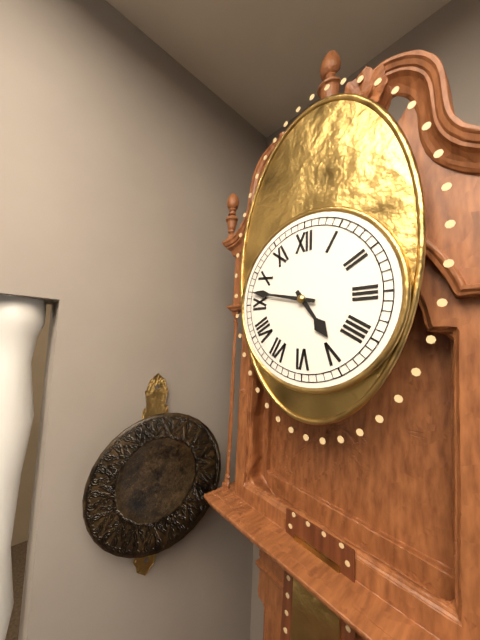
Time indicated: **4:47**
